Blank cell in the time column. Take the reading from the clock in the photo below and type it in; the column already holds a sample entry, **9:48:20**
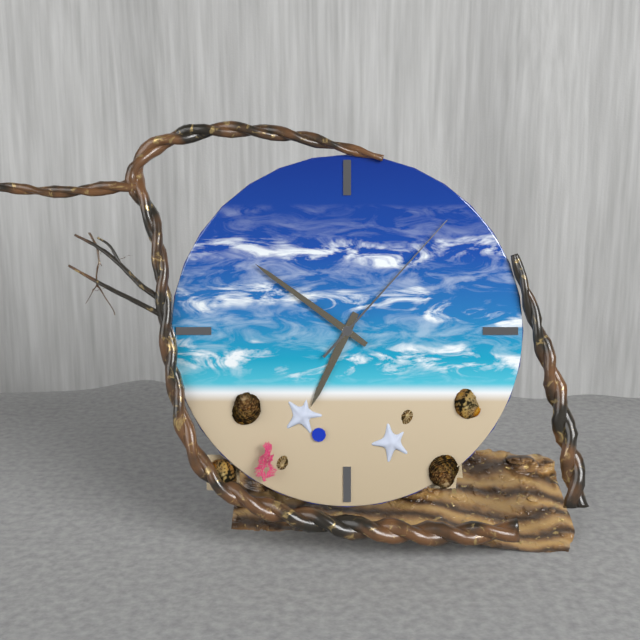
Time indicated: **6:51:07**
